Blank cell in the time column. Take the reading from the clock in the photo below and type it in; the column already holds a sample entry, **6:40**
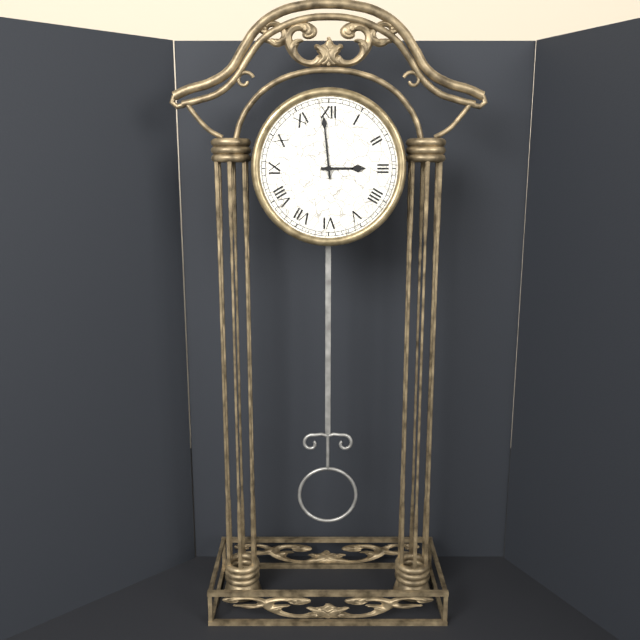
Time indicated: **2:59**
